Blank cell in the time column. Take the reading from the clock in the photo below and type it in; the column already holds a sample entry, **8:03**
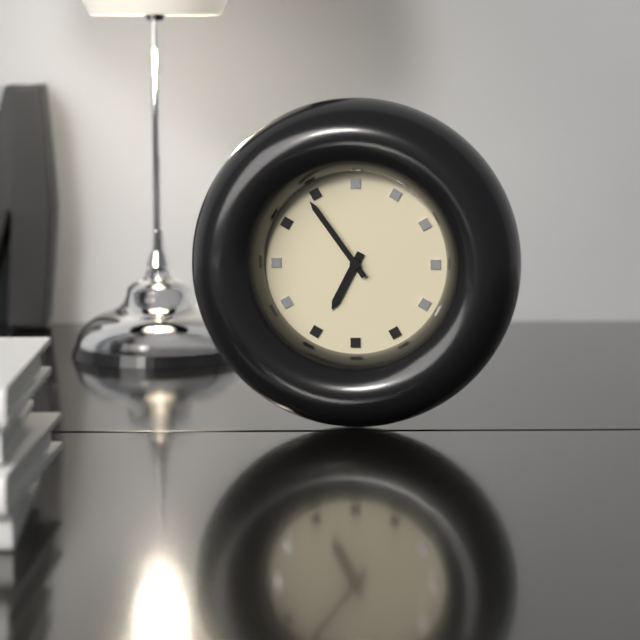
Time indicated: **6:54**
